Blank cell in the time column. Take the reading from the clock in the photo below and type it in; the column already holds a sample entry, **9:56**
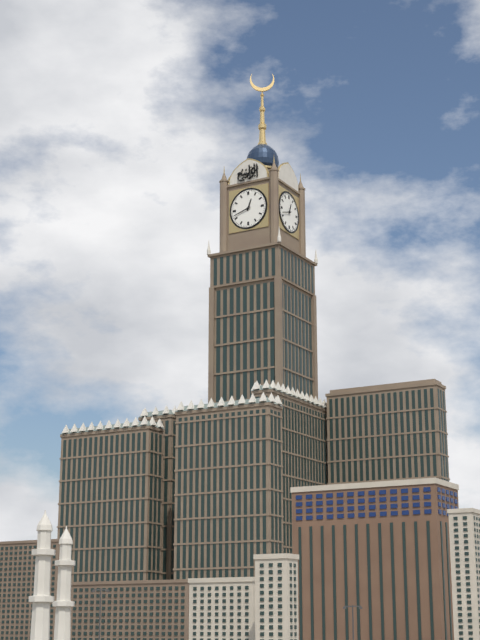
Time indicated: **12:42**
